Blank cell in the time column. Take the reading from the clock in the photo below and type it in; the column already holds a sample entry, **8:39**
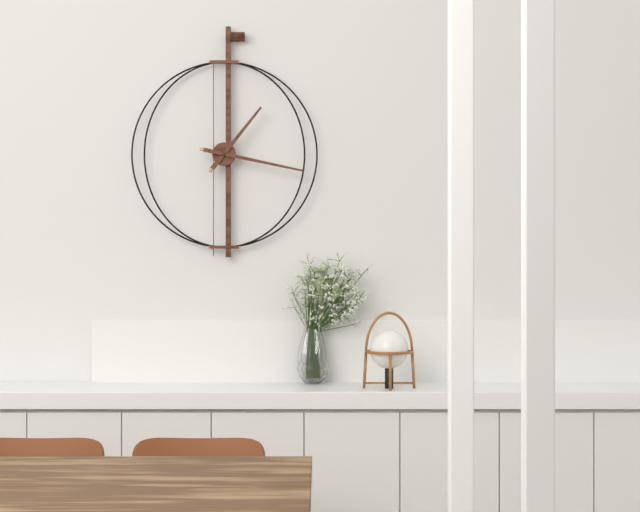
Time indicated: **1:17**
